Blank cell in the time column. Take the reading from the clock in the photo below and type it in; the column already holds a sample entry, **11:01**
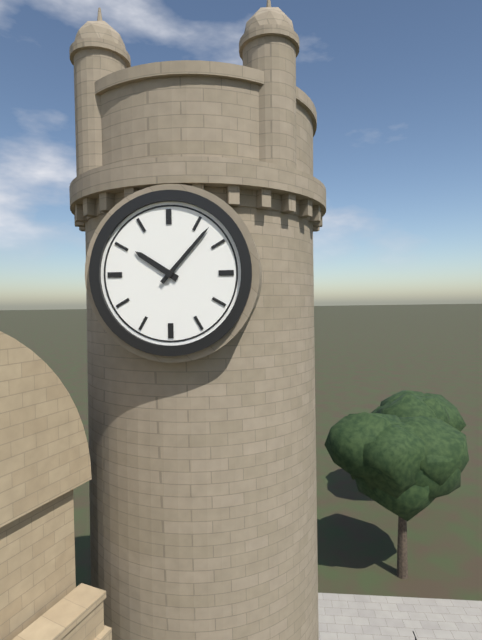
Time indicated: **10:07**
